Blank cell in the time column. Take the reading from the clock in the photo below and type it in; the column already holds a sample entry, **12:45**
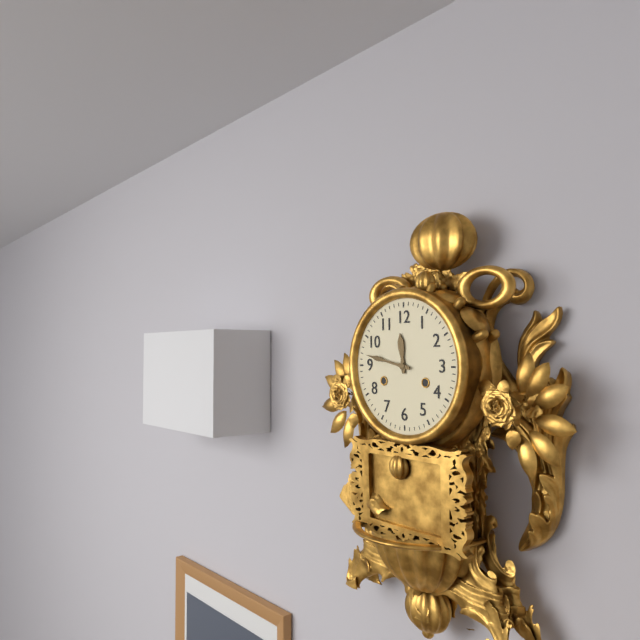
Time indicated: **11:47**
